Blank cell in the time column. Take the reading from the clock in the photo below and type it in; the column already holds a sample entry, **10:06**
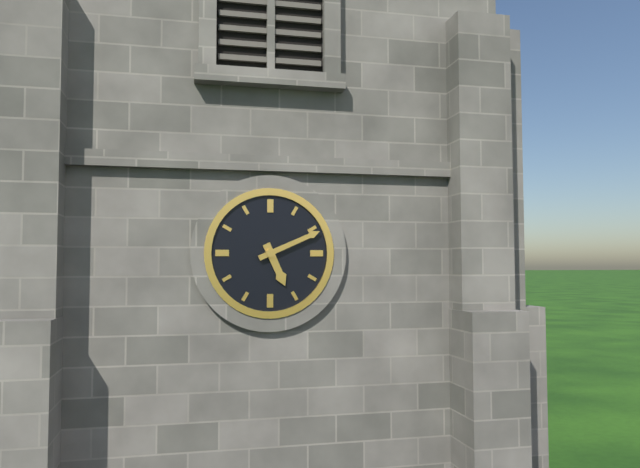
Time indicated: **5:11**
